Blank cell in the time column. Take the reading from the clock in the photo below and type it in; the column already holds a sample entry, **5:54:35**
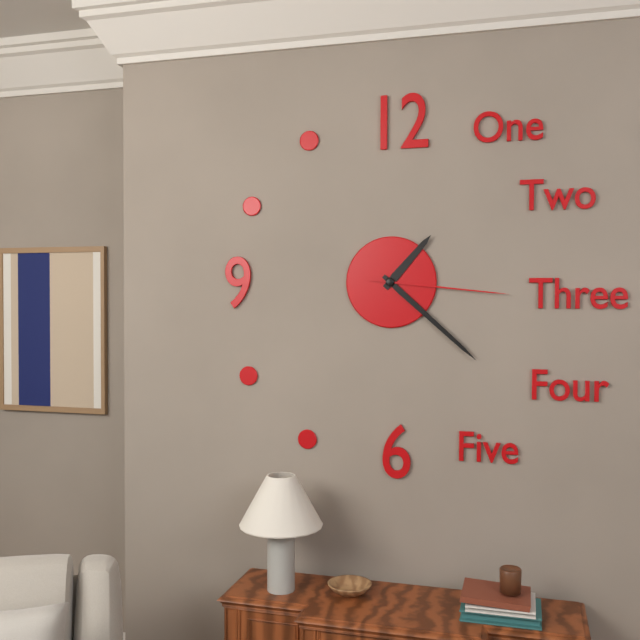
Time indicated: **1:22:16**
